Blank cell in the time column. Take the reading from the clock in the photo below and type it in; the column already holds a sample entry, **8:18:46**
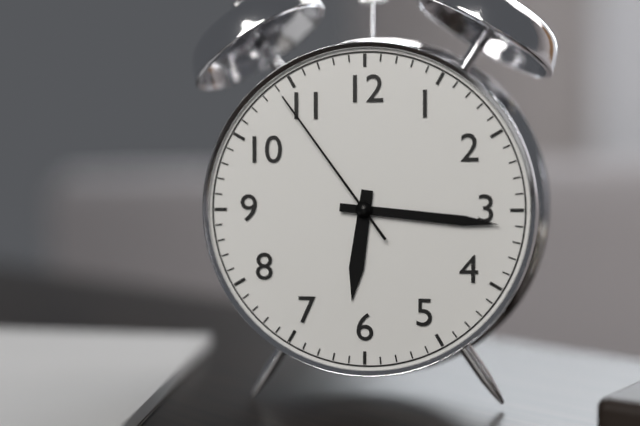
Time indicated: **6:16:54**
